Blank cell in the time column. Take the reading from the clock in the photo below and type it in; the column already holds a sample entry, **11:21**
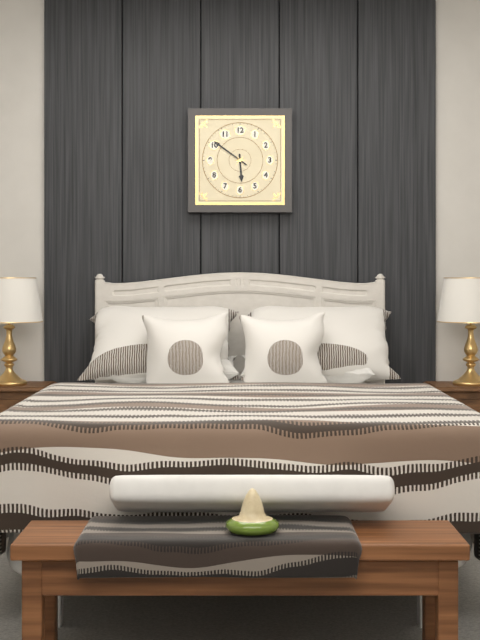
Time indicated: **5:51**
